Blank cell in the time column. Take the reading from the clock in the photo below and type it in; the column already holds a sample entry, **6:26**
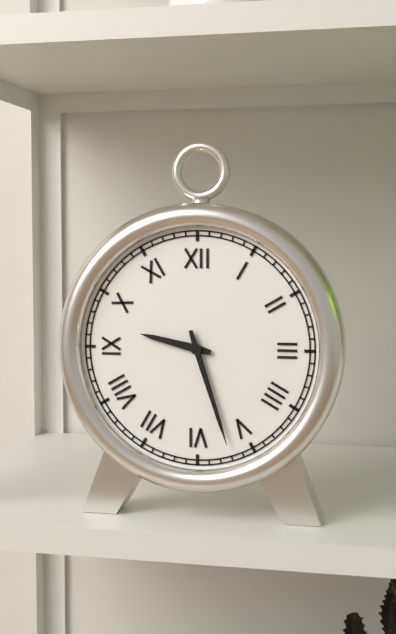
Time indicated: **9:27**
